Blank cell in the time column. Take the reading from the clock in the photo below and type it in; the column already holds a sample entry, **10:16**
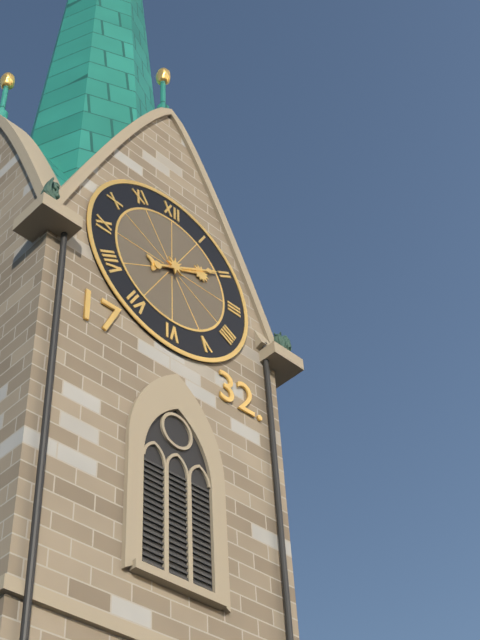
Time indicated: **2:10**
